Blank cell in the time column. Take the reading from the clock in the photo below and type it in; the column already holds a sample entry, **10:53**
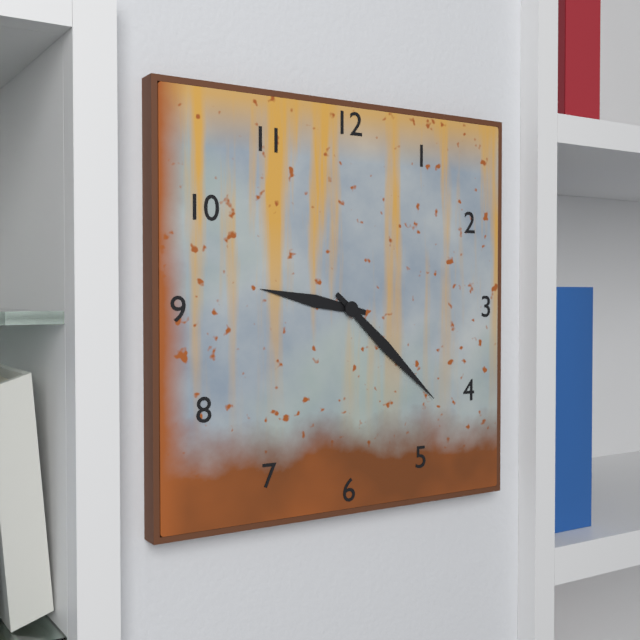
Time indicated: **9:22**
